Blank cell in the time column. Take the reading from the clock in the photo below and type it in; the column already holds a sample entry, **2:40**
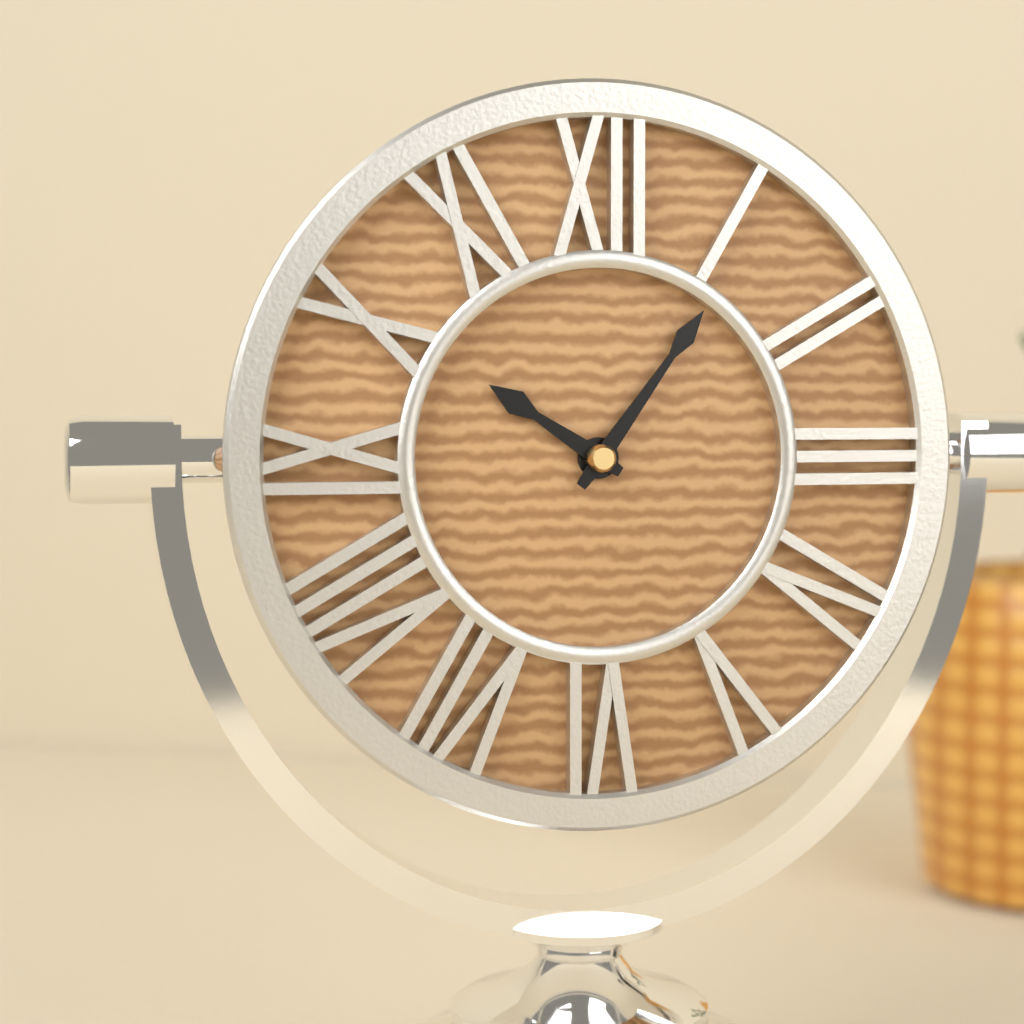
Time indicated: **10:06**
